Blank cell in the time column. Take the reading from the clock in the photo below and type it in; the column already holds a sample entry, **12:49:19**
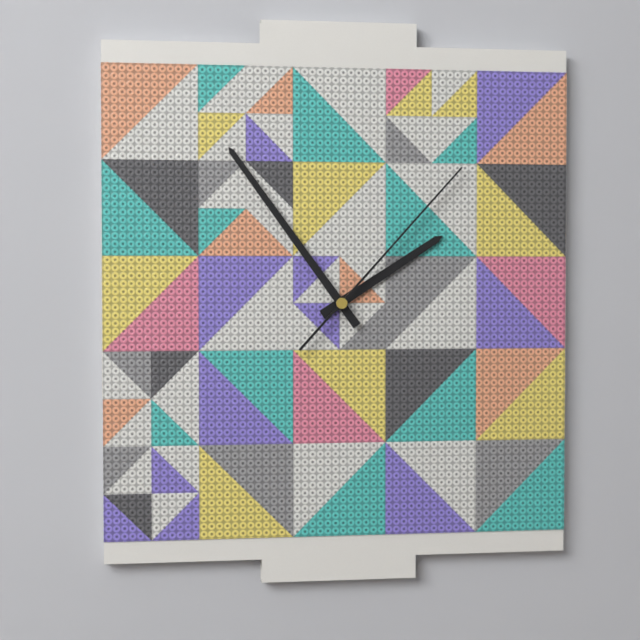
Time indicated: **1:54:07**
